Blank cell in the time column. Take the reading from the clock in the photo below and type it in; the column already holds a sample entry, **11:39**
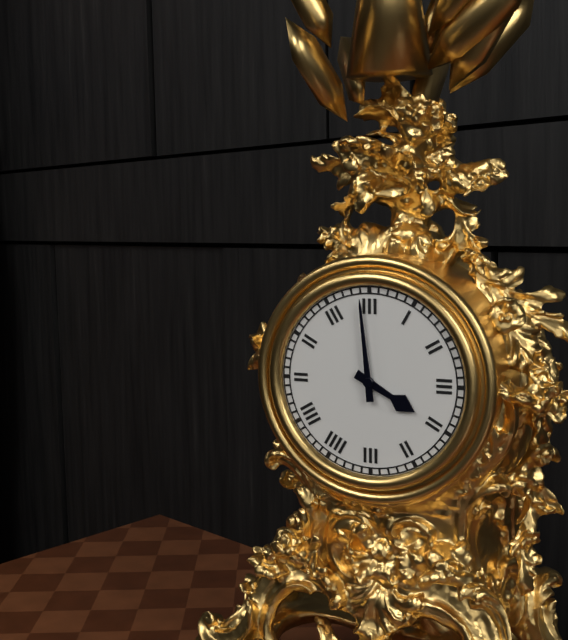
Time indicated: **3:59**
